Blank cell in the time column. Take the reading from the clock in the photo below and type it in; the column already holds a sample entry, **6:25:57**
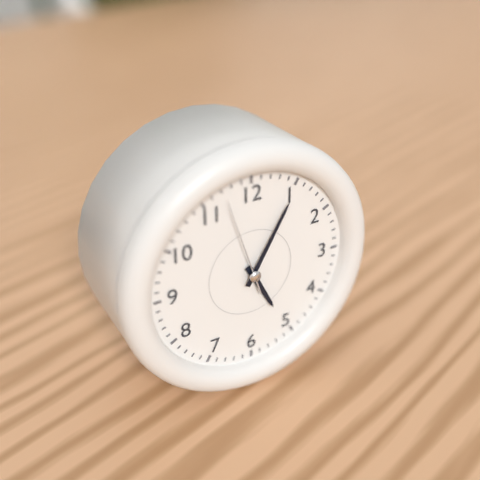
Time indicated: **5:05:57**
